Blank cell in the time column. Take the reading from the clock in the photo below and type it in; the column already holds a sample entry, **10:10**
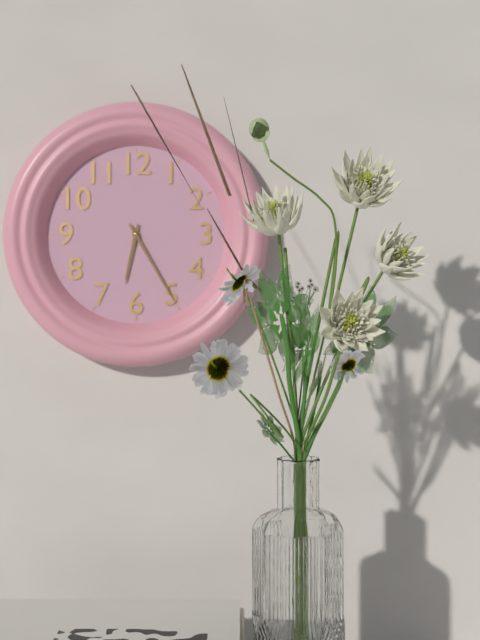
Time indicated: **6:25**
